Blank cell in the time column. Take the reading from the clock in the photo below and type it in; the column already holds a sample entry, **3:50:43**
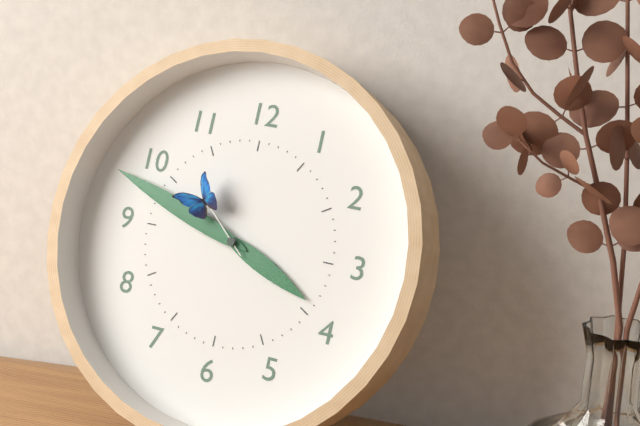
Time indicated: **3:48:52**
